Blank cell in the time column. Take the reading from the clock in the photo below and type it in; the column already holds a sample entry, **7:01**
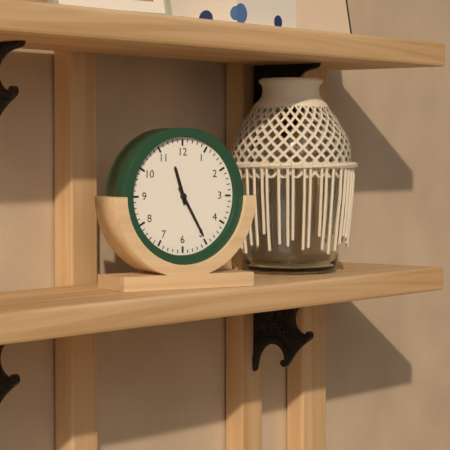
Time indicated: **11:25**
